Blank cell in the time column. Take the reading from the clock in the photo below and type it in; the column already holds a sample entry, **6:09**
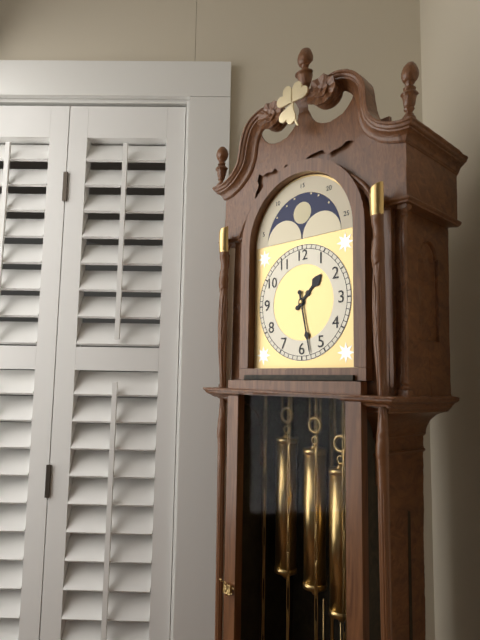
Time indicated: **1:28**
